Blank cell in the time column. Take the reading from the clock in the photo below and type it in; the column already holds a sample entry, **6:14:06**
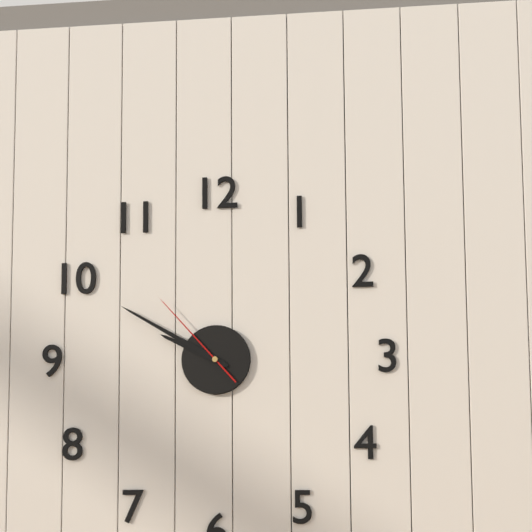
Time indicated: **9:50:53**
